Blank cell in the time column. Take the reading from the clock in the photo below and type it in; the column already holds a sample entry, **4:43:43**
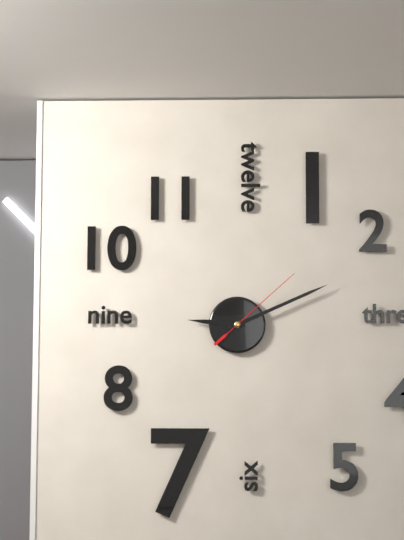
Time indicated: **9:11:08**
